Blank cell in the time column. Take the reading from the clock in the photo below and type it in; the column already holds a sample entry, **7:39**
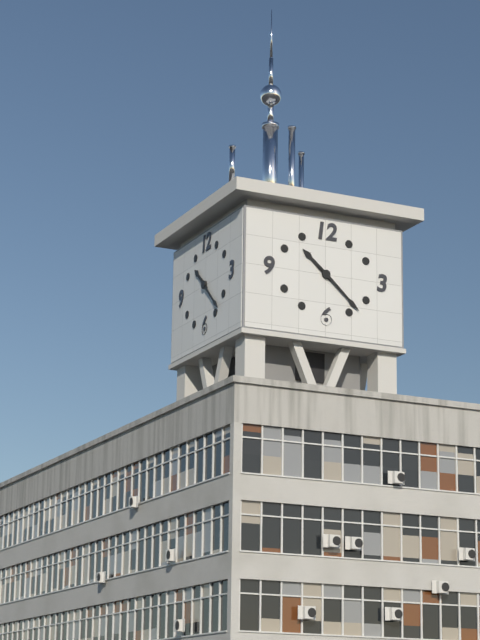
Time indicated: **10:22**
